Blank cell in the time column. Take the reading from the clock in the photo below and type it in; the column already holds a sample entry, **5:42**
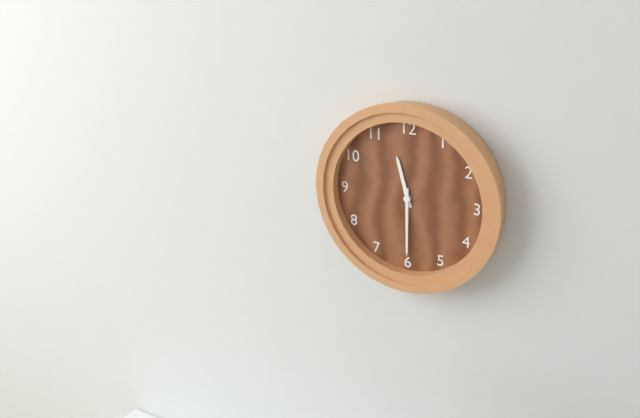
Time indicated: **11:30**
